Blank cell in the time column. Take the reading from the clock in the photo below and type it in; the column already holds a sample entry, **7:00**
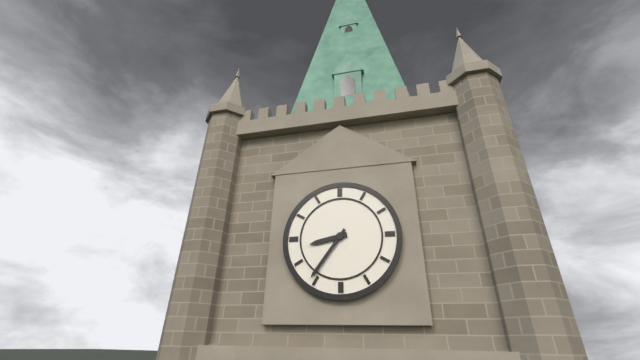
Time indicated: **8:36**
